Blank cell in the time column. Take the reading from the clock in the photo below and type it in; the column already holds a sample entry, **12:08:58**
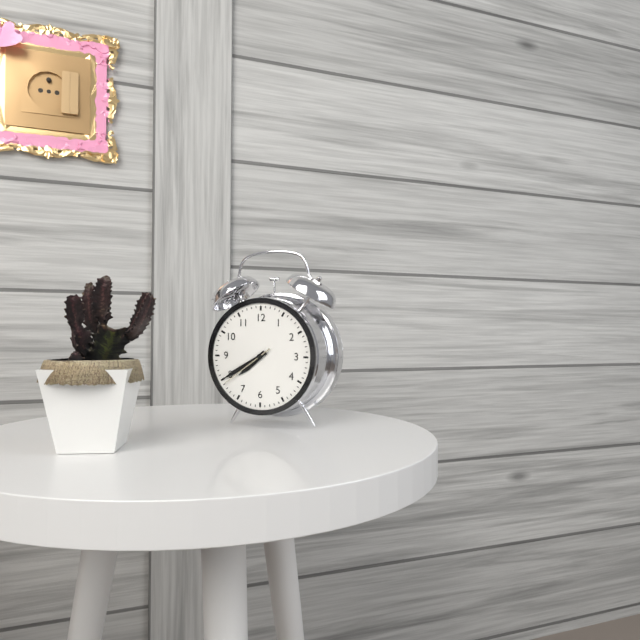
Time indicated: **7:40:39**
